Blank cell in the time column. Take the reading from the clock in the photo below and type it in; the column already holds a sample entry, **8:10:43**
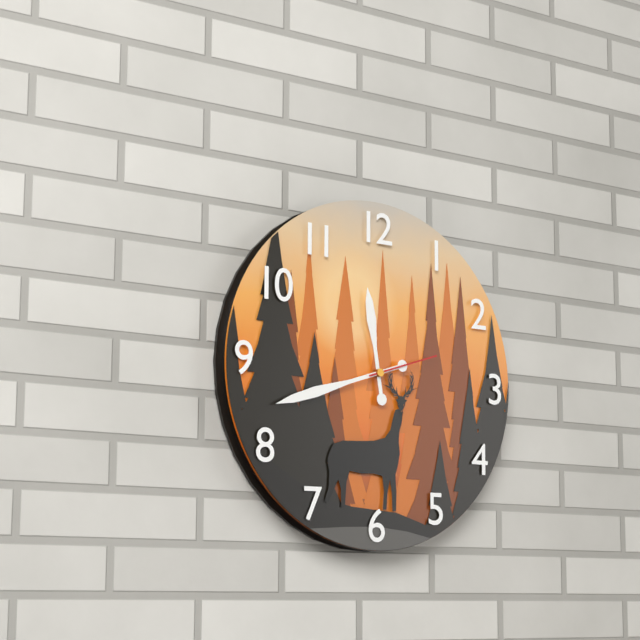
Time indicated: **11:42:12**
